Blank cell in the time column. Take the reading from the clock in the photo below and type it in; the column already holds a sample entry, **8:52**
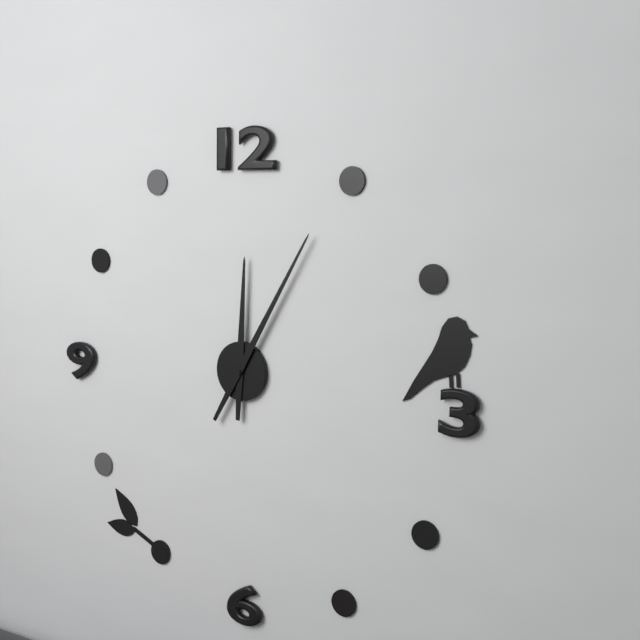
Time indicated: **12:05**
